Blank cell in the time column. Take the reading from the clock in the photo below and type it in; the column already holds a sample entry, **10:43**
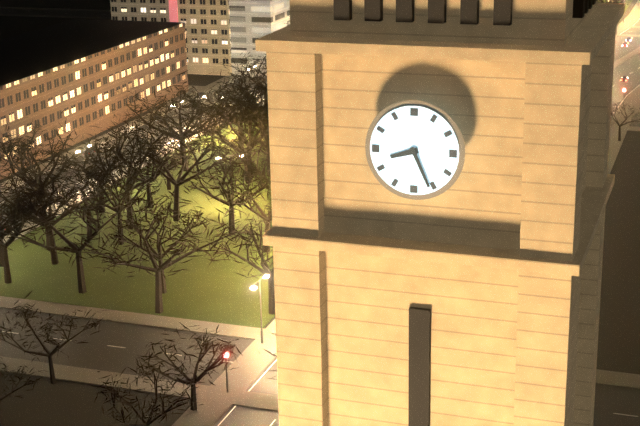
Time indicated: **8:26**
